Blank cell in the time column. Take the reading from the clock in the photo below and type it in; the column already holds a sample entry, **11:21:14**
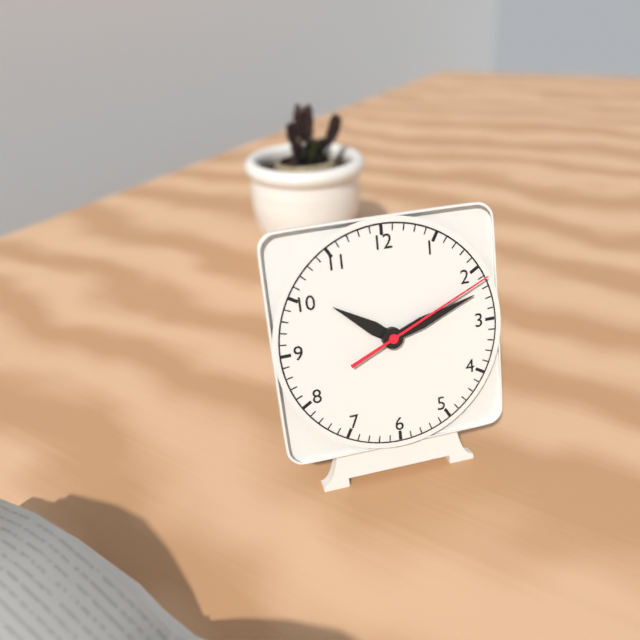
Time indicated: **10:12:11**
